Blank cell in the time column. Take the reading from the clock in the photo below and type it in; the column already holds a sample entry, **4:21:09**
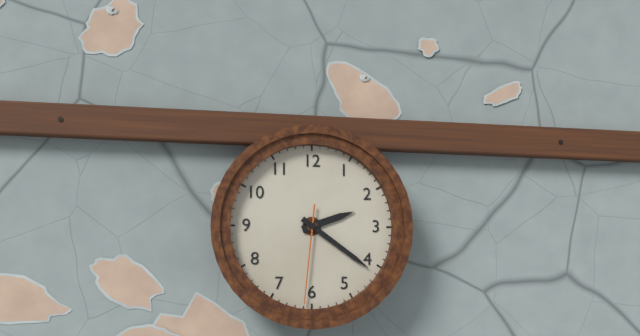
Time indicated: **2:21:31**
